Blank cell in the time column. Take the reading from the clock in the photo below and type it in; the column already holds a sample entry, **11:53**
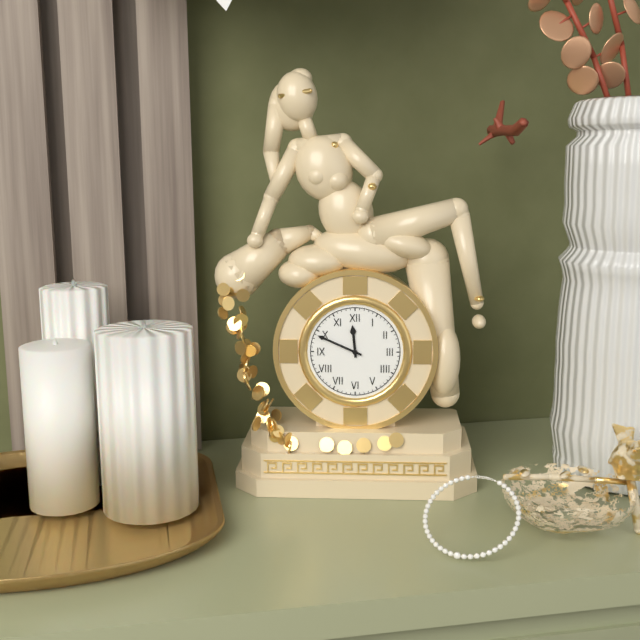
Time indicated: **11:49**
